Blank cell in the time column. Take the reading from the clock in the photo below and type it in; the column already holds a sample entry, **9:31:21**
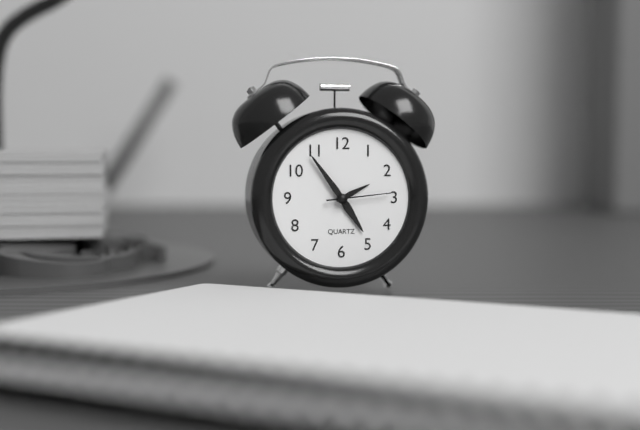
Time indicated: **4:54:14**
